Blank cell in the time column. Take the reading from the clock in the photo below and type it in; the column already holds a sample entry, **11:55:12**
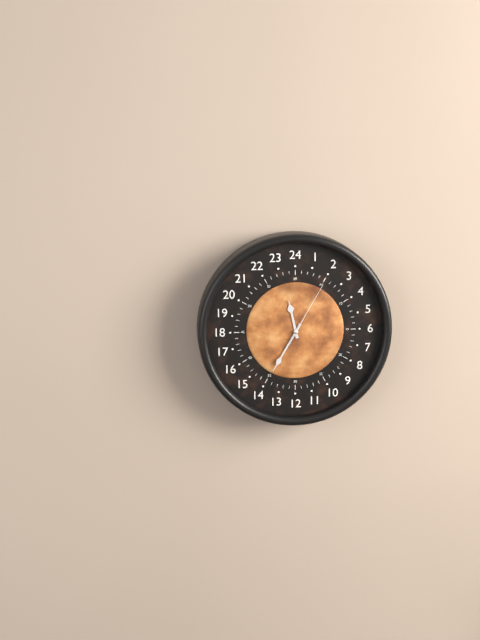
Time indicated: **11:35:05**
